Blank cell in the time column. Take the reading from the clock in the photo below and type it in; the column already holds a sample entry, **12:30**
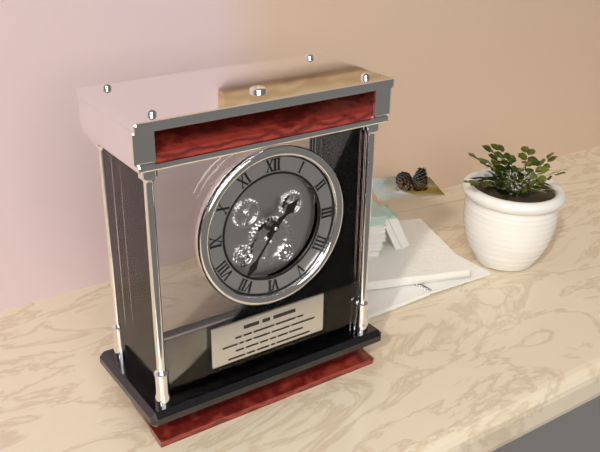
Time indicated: **1:36**
